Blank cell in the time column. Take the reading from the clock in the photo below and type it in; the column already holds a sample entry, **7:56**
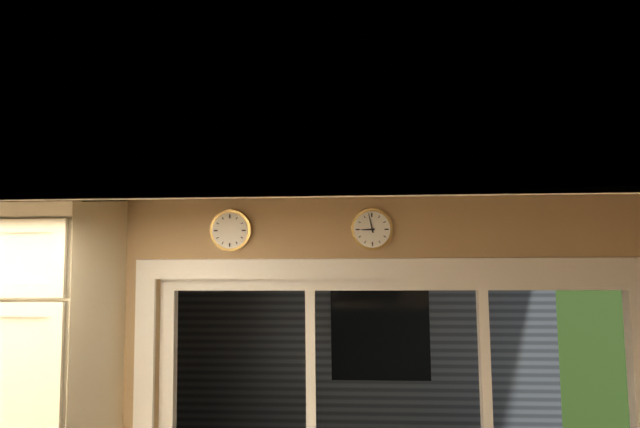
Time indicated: **8:58**
